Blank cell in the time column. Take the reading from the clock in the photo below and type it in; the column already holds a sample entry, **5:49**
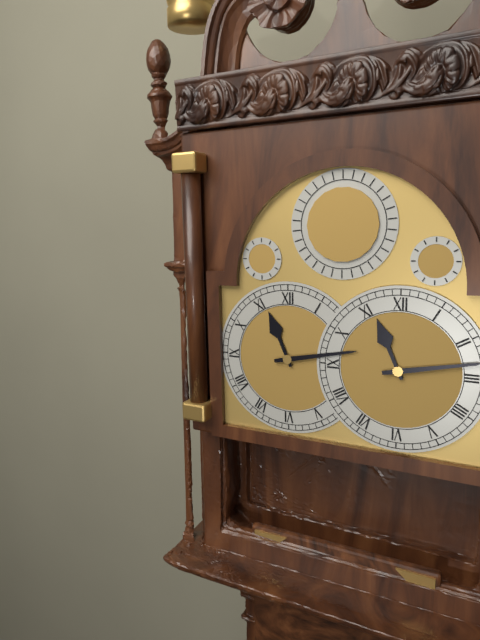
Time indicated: **11:13**
